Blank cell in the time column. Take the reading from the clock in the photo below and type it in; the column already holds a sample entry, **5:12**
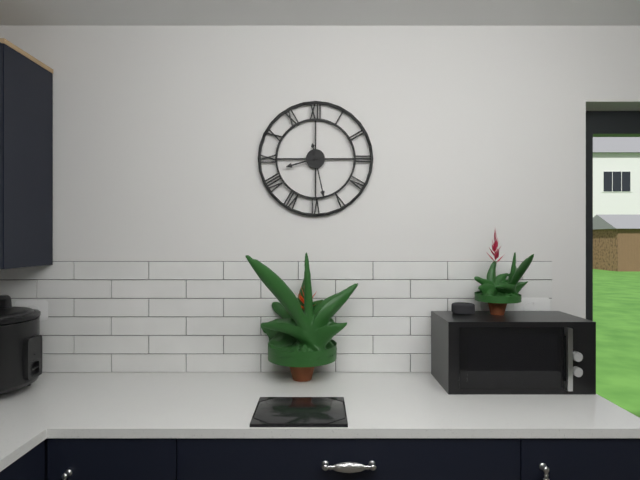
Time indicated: **8:28**
